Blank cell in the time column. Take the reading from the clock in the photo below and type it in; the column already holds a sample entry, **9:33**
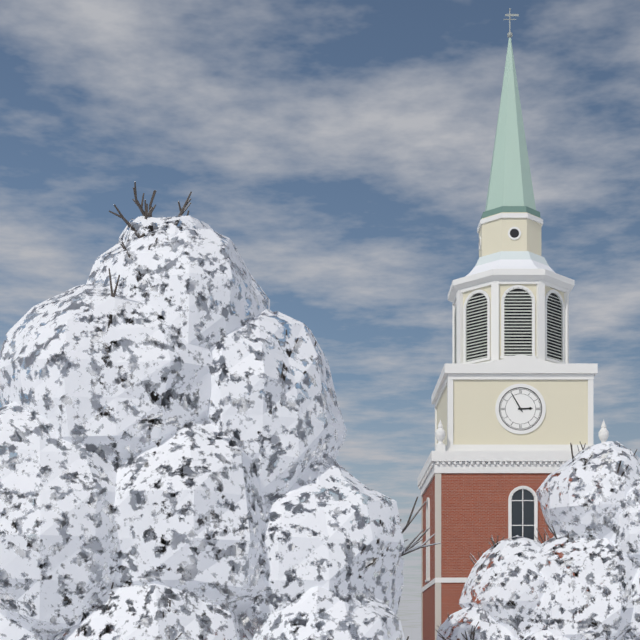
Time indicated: **2:55**
